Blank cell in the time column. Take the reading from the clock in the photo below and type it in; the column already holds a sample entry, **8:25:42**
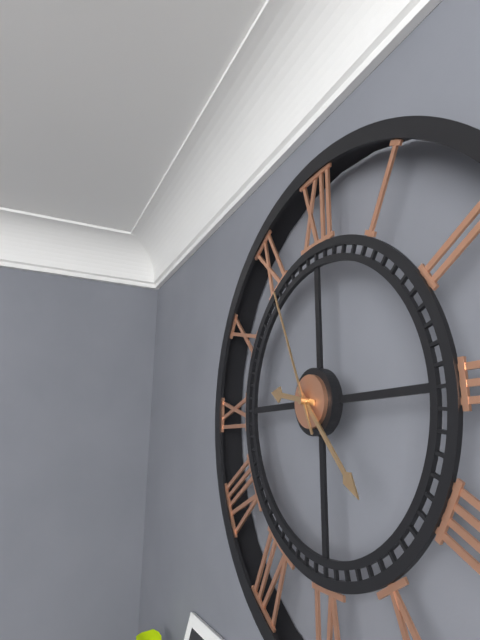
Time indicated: **9:23:56**
